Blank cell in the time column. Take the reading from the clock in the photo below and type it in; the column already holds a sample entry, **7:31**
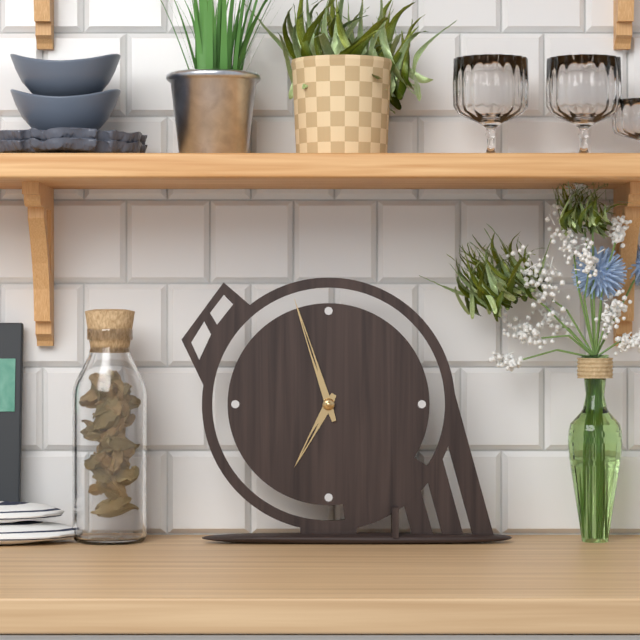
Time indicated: **6:57**
